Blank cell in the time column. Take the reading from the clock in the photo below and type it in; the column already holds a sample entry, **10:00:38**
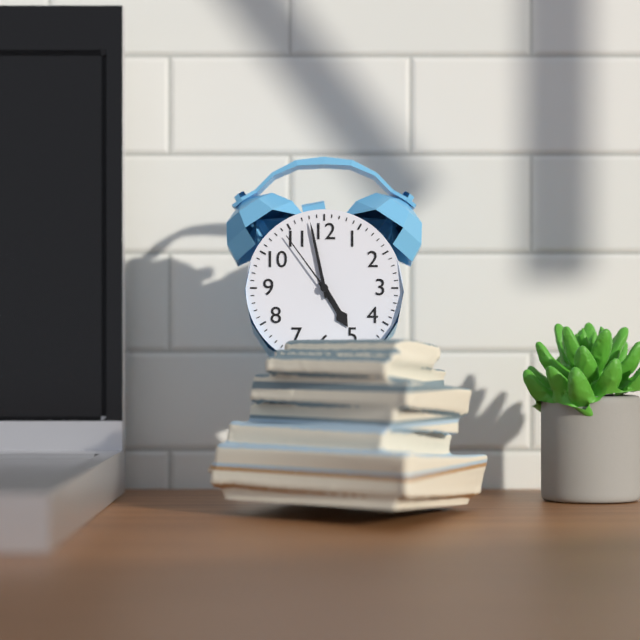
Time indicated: **4:58:54**
